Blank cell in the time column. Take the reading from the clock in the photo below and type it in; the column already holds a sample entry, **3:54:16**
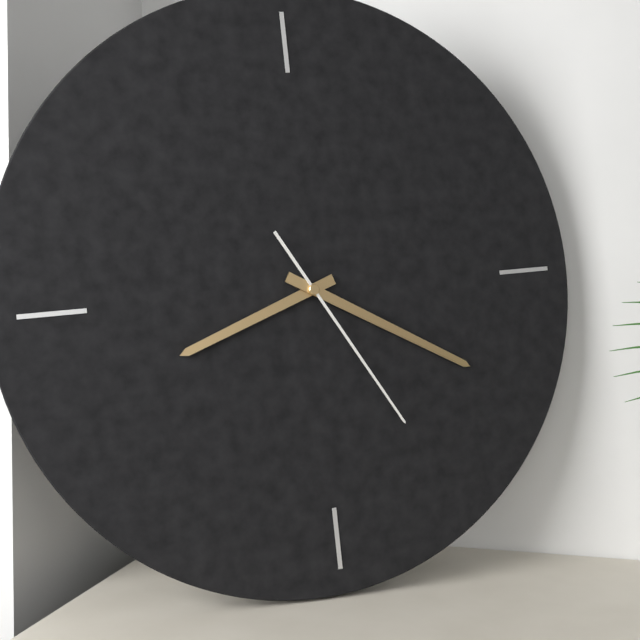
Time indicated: **8:20:25**
